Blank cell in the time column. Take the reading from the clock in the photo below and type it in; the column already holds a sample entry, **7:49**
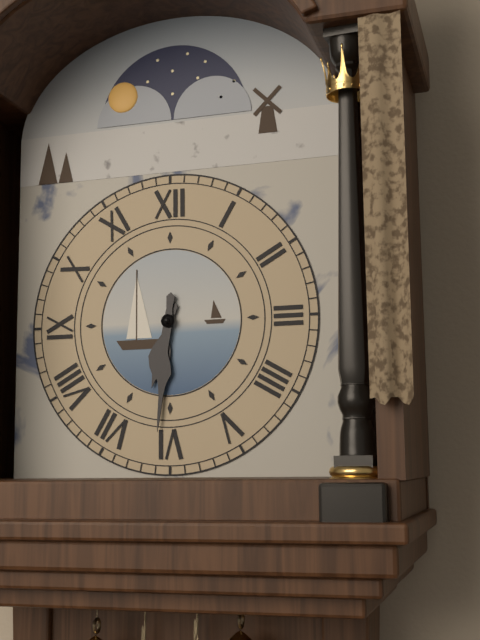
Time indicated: **6:31**
